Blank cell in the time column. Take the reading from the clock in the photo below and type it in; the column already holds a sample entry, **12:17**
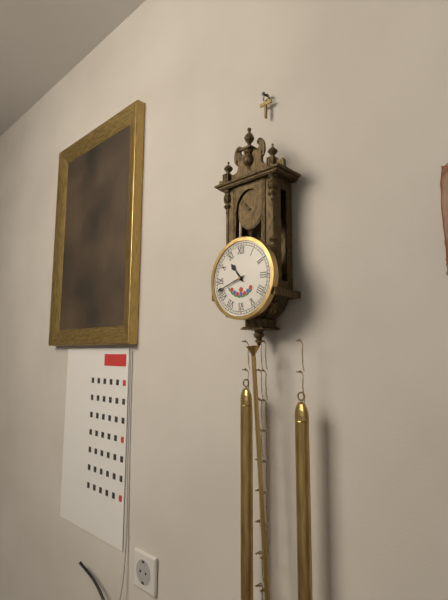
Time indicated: **10:42**
